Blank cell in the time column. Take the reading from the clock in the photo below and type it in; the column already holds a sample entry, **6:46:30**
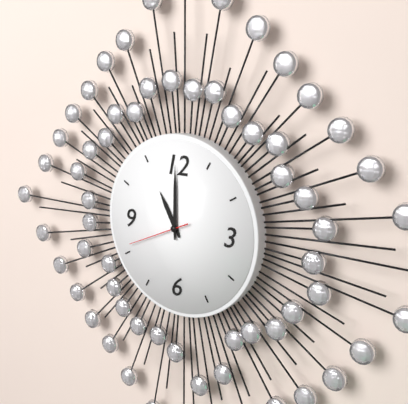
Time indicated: **11:00:41**
